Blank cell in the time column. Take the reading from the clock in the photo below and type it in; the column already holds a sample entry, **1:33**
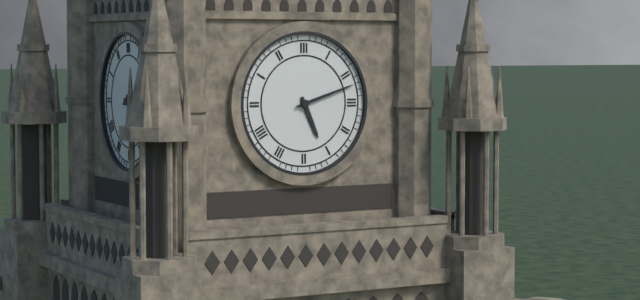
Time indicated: **5:12**
